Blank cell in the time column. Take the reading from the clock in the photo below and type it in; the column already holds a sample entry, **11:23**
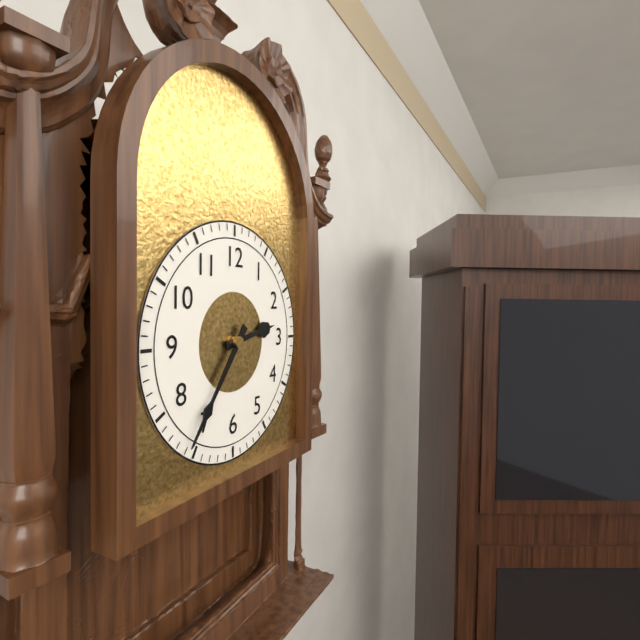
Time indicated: **2:36**
